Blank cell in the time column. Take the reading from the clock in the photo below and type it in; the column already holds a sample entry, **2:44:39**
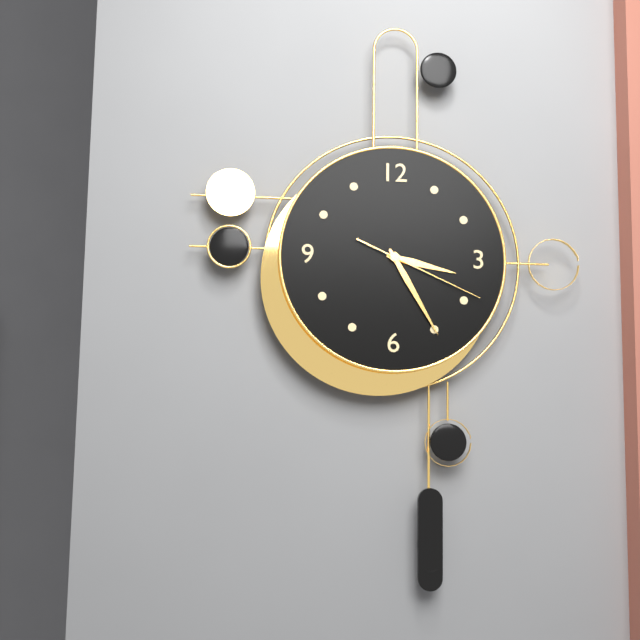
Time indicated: **3:25:19**
